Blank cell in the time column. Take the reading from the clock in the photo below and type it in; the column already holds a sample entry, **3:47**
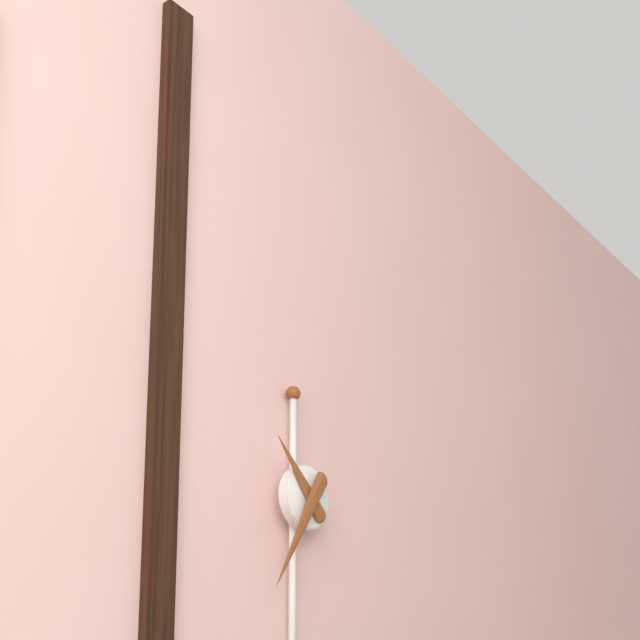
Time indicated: **10:35**
